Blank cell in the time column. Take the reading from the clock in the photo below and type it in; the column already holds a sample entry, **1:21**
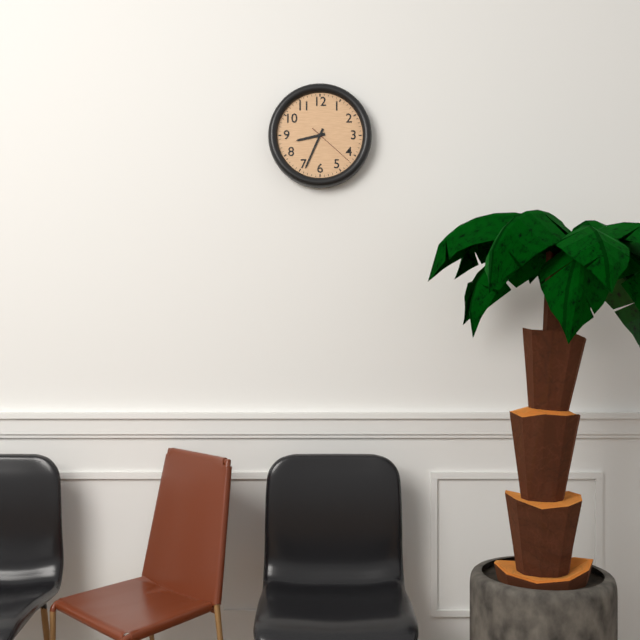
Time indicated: **8:34**
